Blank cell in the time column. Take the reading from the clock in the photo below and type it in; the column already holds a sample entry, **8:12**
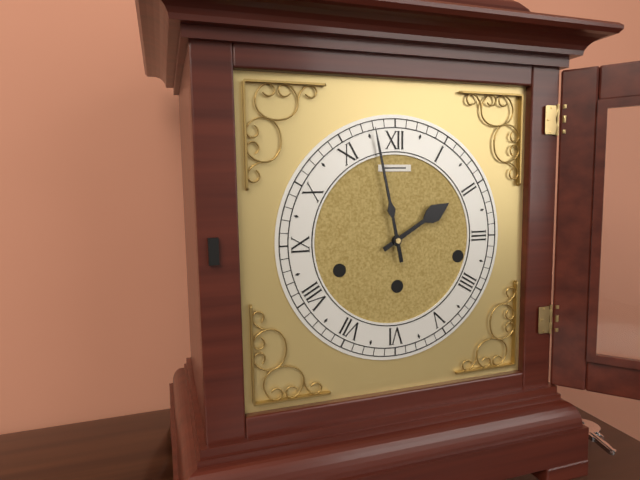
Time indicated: **1:58**
